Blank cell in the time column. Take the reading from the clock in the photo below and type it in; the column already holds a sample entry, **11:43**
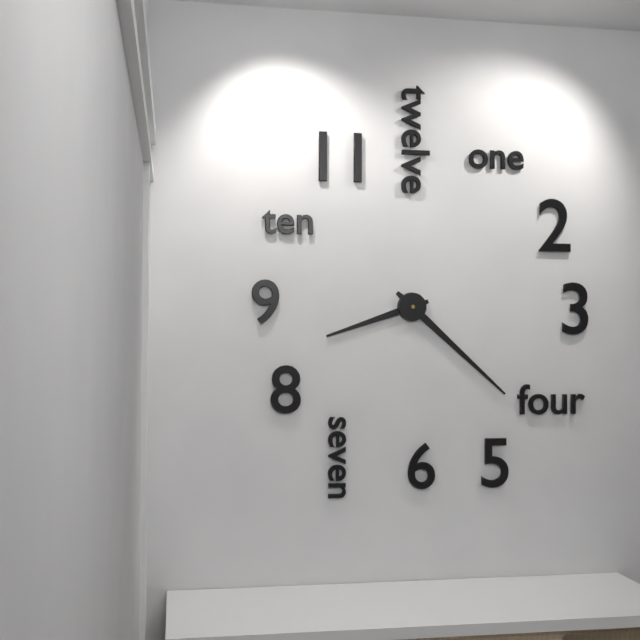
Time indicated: **8:22**
